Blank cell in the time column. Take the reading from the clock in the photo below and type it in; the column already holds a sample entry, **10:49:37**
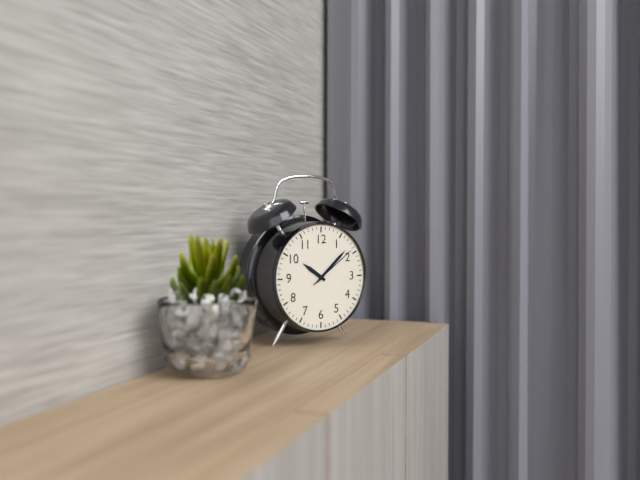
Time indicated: **10:08:09**
